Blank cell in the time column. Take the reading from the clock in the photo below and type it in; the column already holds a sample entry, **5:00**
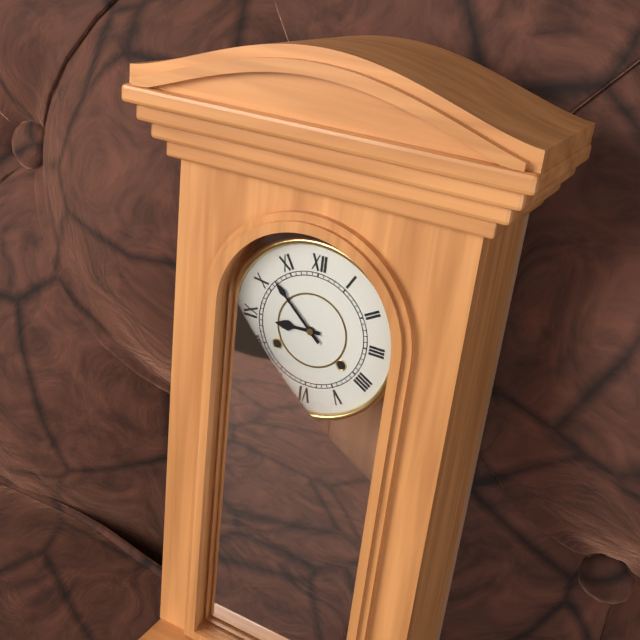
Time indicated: **8:52**
